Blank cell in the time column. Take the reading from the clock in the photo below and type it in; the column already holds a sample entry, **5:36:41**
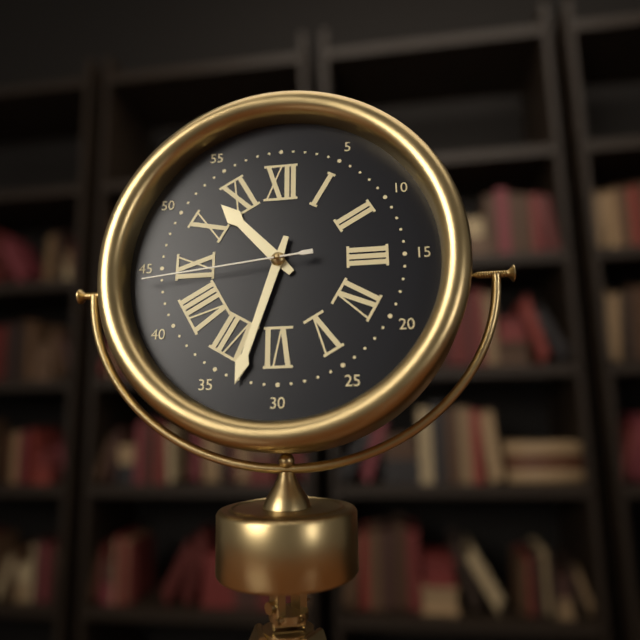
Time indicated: **10:33:44**
